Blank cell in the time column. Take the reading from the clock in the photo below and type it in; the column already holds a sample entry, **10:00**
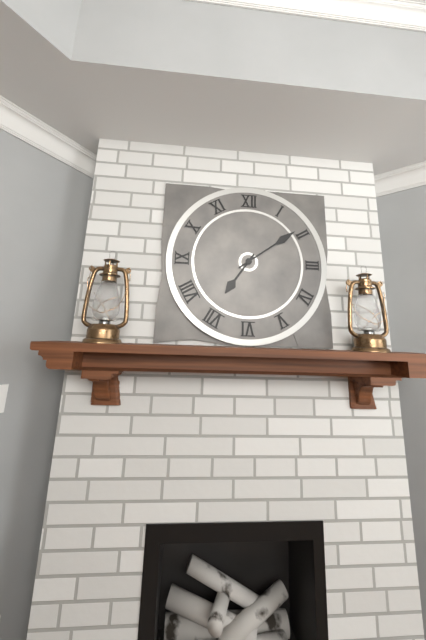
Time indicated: **7:09**
